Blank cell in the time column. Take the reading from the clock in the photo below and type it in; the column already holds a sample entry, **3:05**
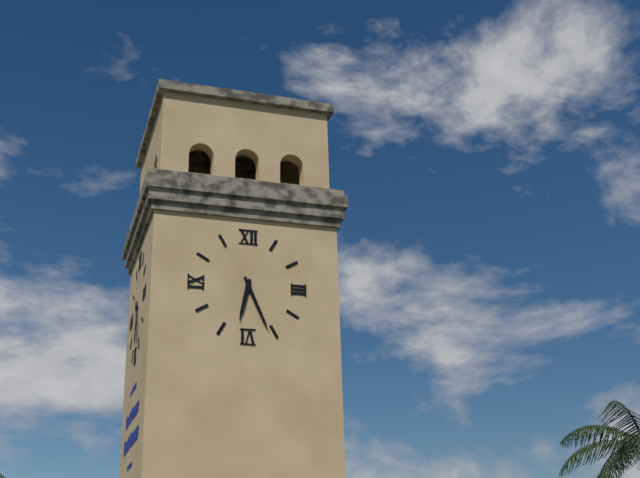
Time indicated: **6:26**
